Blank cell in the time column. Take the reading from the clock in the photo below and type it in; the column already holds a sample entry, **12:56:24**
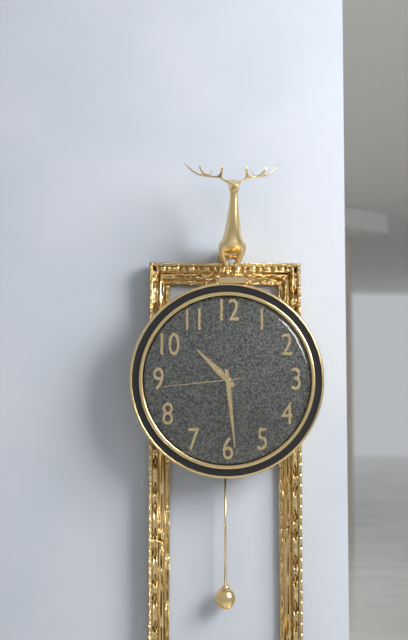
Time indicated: **10:29:44**
